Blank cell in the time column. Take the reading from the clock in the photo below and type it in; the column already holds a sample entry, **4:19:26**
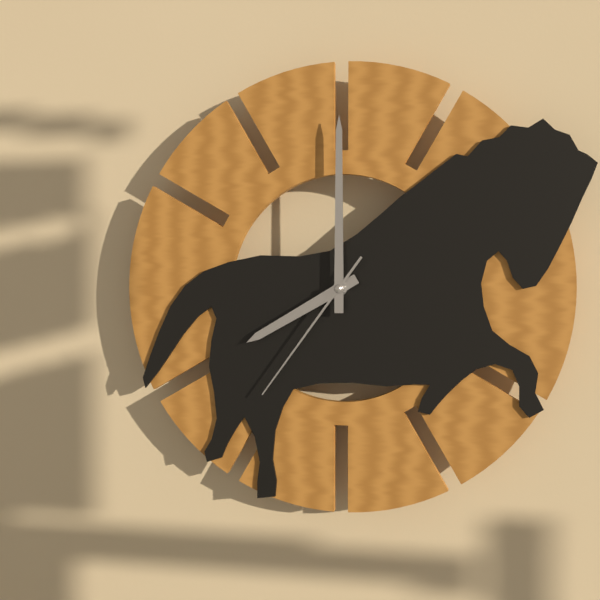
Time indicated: **8:00:36**
